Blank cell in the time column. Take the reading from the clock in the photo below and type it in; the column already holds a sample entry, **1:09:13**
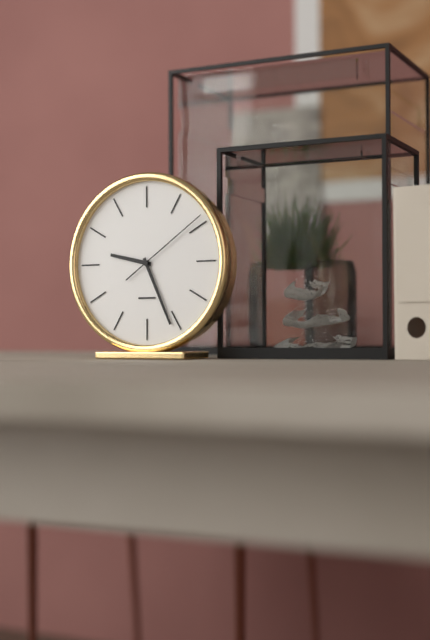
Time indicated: **9:26:09**
